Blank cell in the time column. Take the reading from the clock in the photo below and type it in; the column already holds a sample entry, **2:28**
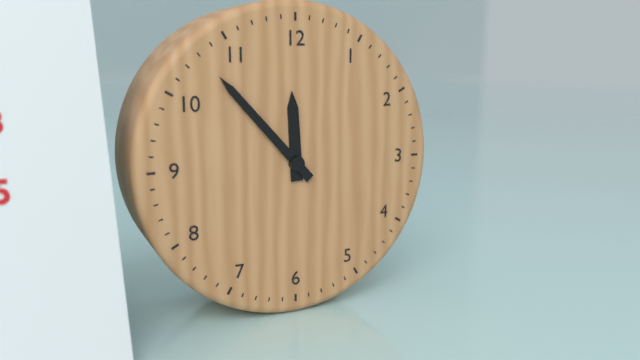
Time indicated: **11:53**
